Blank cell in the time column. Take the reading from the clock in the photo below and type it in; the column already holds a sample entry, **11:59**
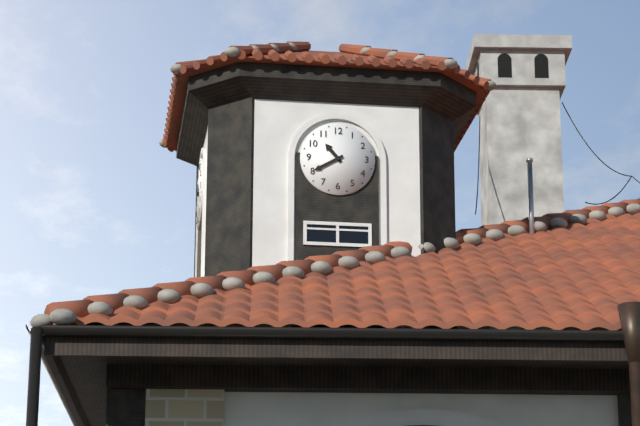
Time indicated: **10:40**
